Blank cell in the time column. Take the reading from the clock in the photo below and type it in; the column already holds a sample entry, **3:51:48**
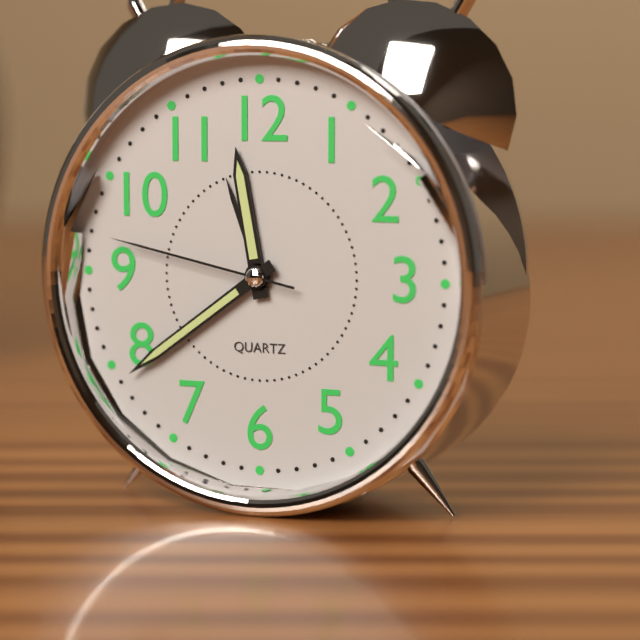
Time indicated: **11:39:47**
